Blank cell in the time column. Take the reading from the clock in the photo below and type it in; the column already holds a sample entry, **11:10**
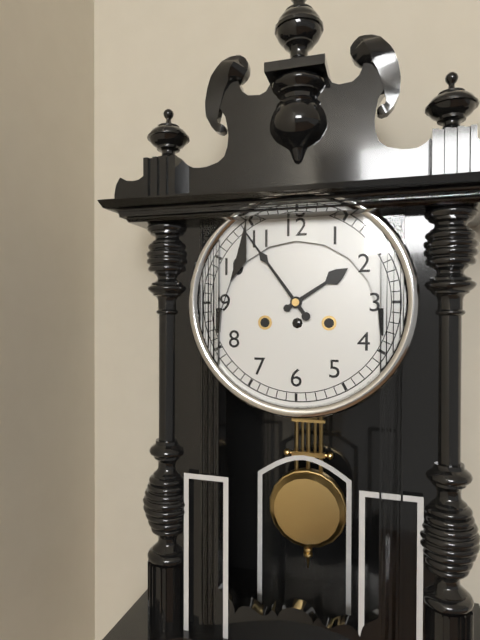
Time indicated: **1:54**
